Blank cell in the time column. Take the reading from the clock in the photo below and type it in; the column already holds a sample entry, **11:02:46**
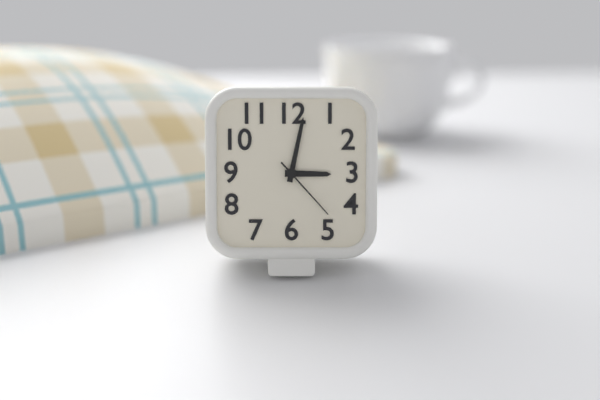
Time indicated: **3:02:23**
